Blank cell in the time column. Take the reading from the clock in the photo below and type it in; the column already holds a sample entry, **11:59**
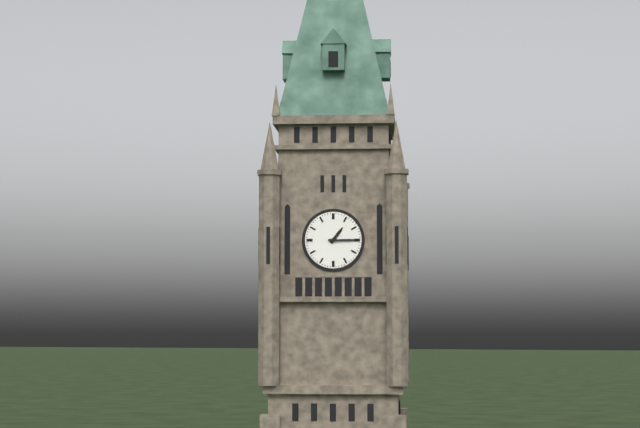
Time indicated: **1:15**
